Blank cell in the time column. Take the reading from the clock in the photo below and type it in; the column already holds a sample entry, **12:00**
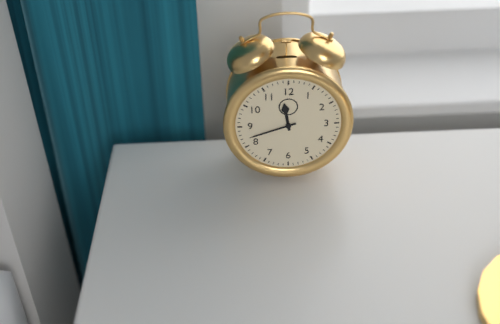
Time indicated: **11:42**
